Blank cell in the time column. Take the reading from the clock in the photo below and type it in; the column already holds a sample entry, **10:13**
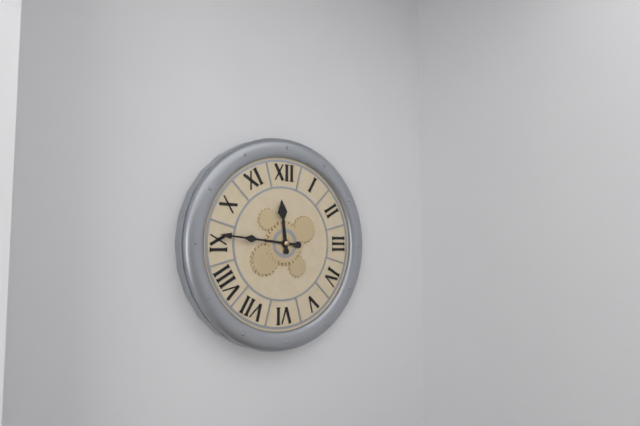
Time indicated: **11:46**
